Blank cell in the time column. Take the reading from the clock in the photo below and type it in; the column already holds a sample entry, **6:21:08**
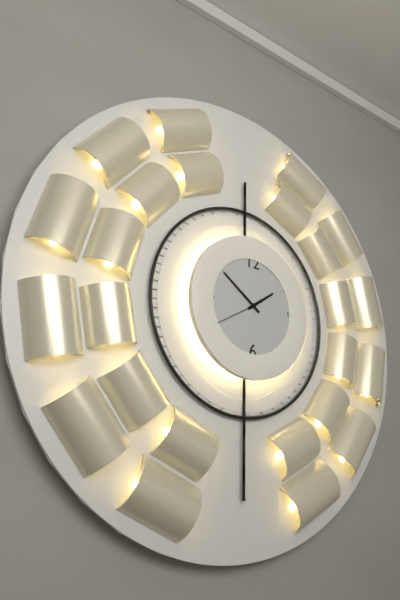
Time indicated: **1:51:40**
